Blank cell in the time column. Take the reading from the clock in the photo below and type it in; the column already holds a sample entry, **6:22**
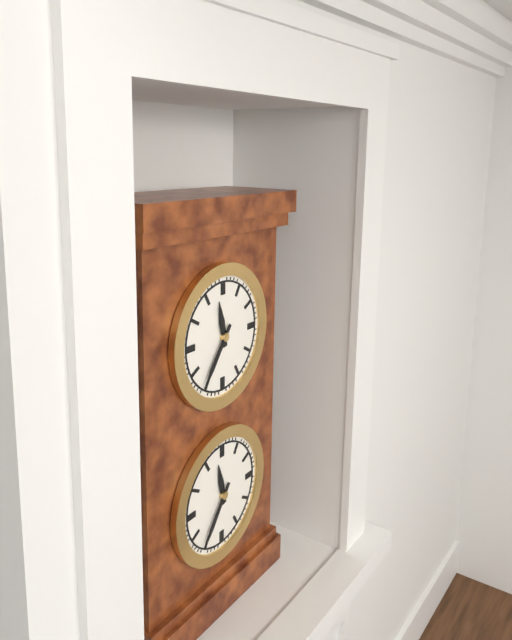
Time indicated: **11:36**
